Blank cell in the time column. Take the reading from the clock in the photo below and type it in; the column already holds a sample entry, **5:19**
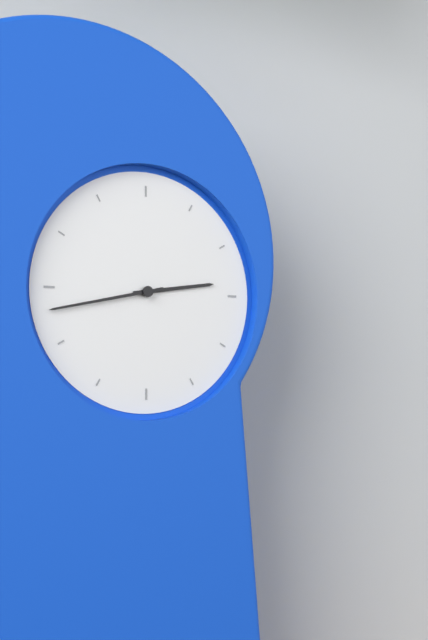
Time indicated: **2:43**
